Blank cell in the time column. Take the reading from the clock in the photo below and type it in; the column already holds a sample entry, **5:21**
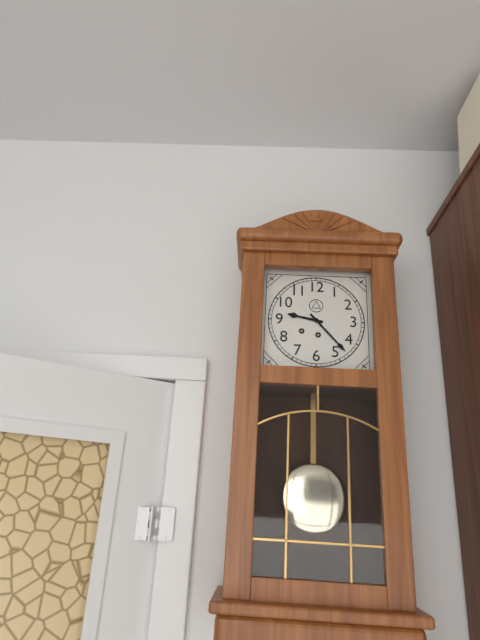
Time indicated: **9:23**
